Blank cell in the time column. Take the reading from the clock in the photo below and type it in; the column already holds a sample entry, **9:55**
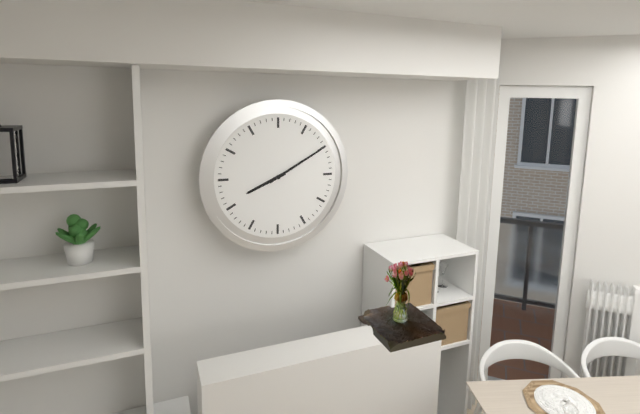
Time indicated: **8:10**
